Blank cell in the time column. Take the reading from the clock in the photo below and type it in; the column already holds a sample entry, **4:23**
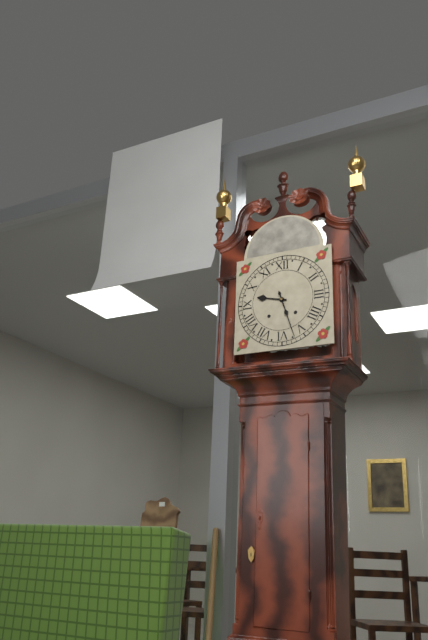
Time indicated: **9:27**
